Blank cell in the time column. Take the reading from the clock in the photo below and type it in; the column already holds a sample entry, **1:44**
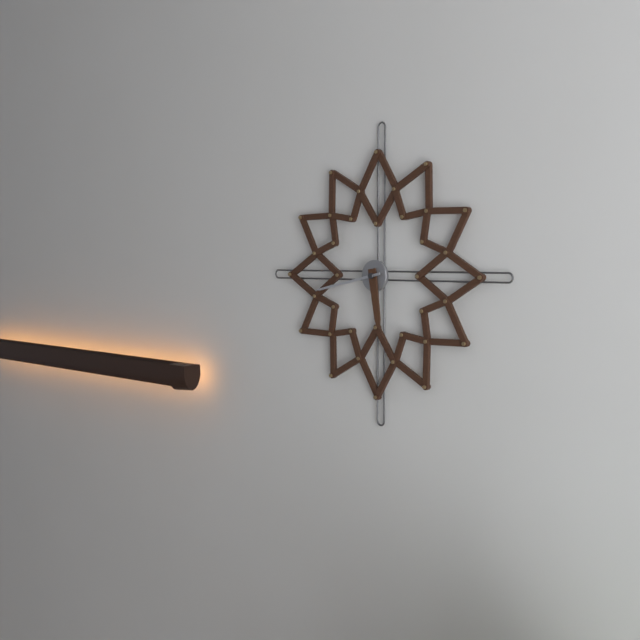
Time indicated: **5:43**
